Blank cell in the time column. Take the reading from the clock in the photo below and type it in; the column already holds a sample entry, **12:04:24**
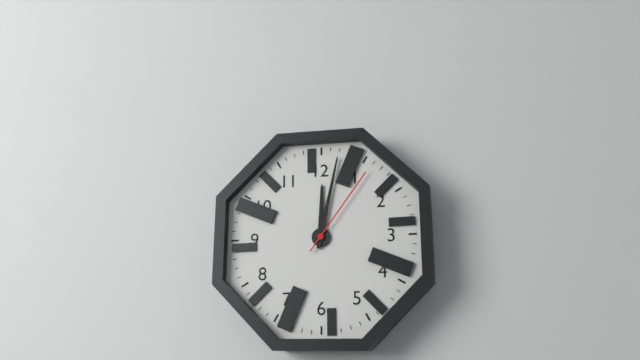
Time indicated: **12:02:06**
